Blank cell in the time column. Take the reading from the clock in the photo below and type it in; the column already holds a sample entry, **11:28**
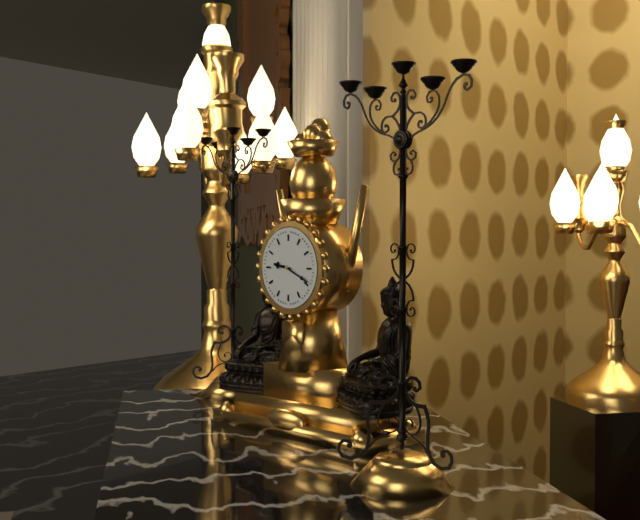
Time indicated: **9:19**
